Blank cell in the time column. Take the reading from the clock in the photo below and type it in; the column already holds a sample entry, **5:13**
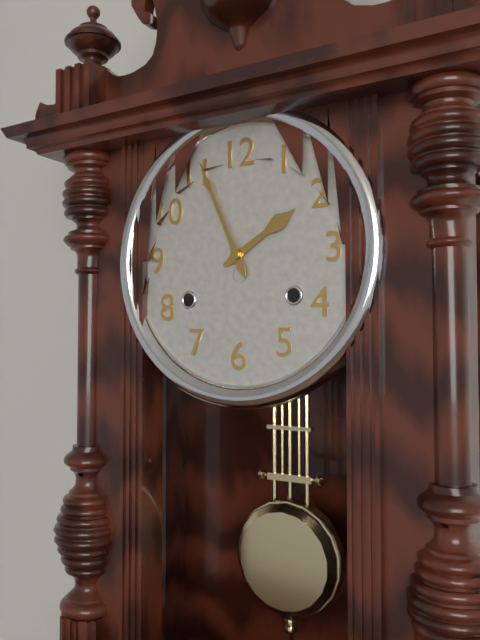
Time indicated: **1:56**
